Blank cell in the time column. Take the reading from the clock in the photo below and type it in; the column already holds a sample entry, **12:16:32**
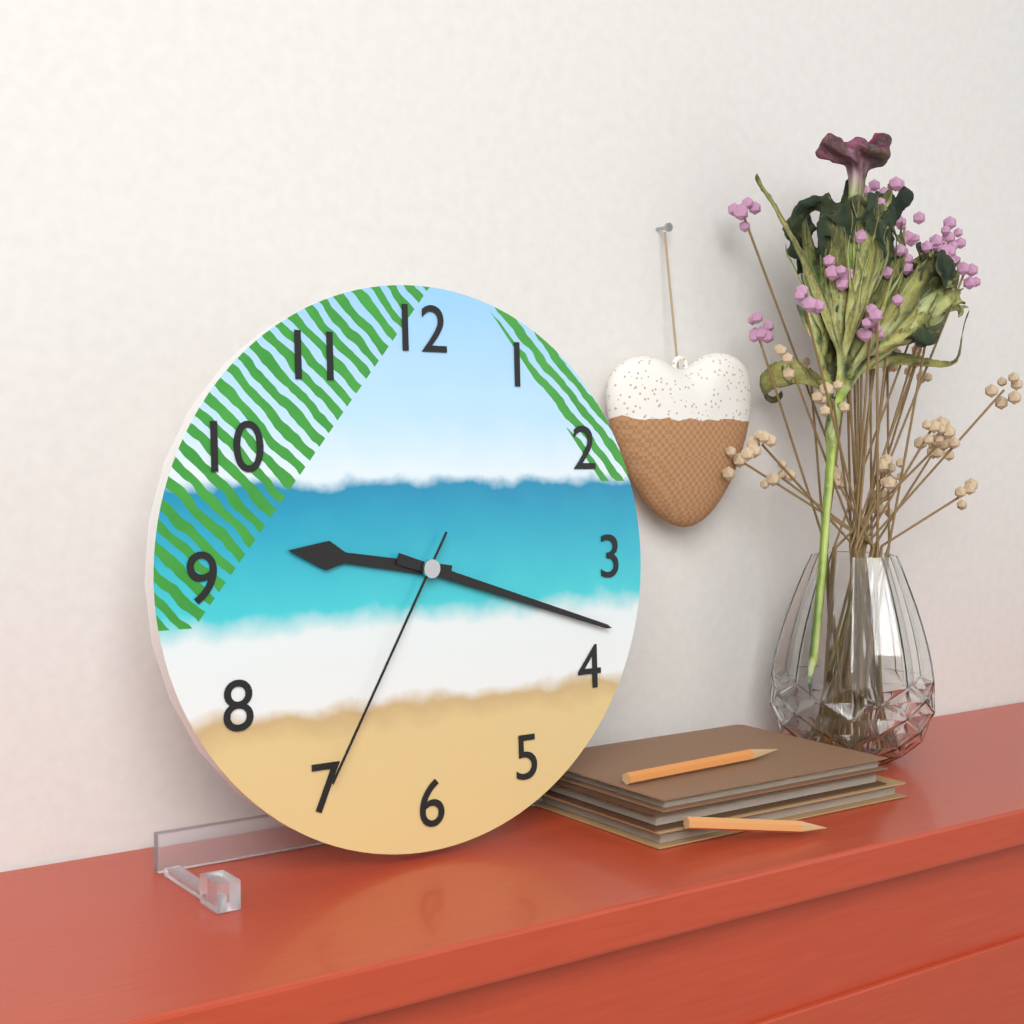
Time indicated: **9:18:35**
